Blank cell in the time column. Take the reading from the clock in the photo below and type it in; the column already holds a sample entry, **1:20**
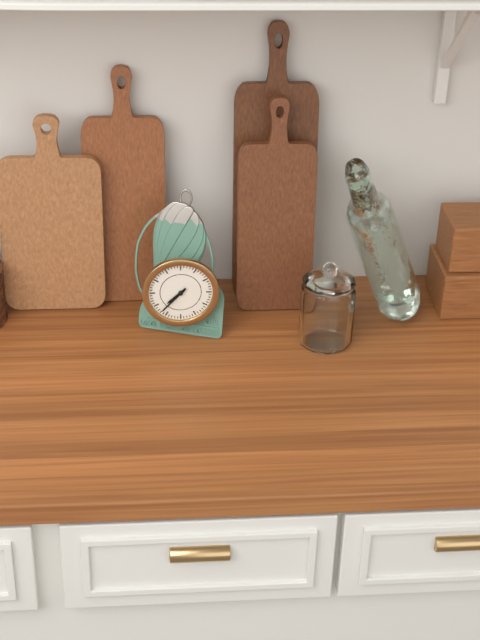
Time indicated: **7:37**
